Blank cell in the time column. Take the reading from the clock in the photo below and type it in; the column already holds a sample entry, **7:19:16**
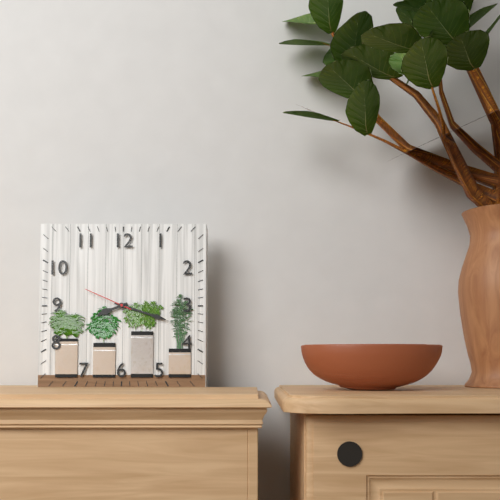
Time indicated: **8:18:49**
